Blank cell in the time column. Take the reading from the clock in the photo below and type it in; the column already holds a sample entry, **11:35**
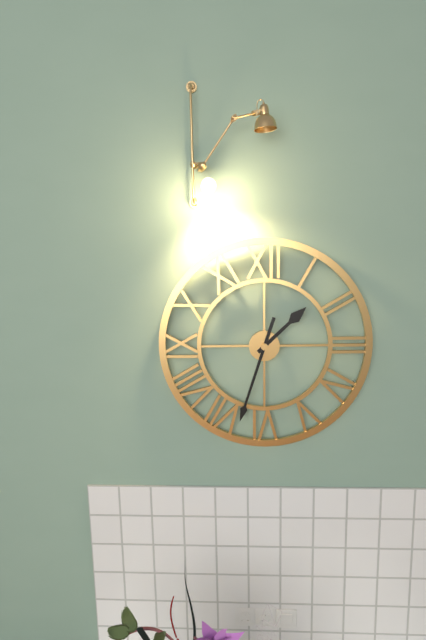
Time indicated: **1:33**
